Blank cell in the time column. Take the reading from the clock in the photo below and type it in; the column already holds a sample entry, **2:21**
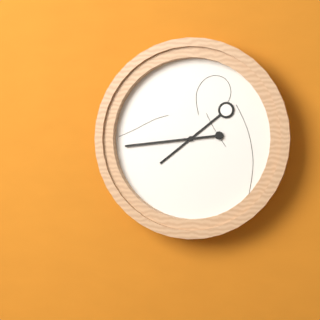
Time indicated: **7:44**
